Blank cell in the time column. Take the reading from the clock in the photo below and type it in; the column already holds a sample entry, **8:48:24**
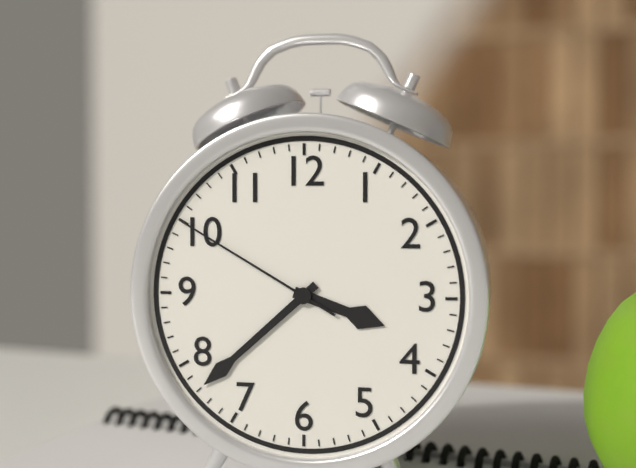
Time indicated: **3:38:50**
